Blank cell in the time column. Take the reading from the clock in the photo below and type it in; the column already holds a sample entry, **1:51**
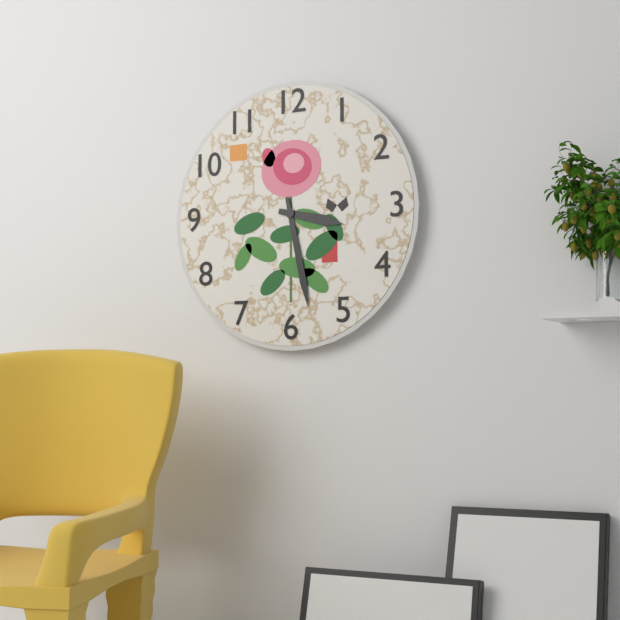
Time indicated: **3:28**
